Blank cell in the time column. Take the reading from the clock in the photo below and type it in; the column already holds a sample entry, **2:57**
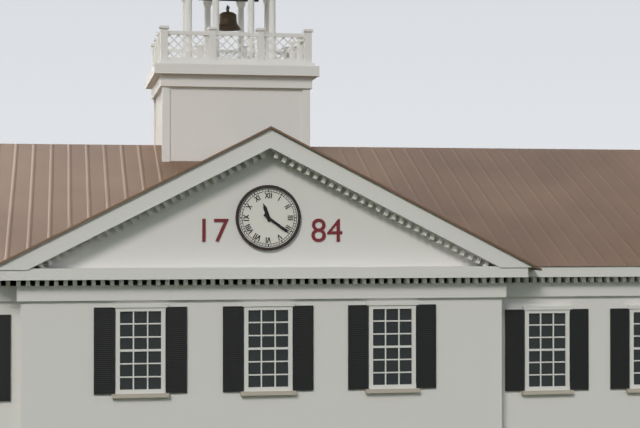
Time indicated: **11:21**
